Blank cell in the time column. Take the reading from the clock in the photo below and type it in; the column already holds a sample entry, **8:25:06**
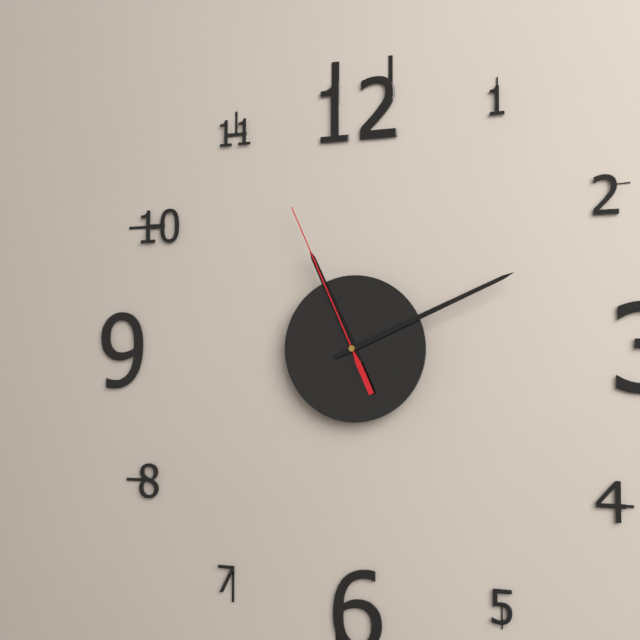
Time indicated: **11:11:56**
